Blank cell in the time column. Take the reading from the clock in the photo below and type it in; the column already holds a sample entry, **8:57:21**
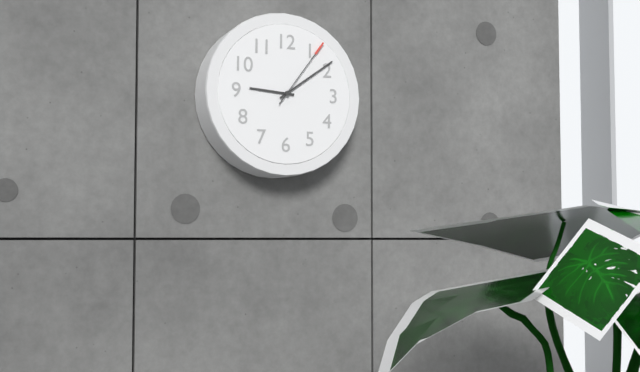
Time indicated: **9:09:06**
